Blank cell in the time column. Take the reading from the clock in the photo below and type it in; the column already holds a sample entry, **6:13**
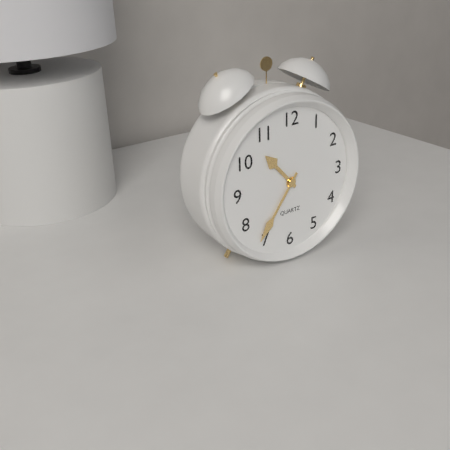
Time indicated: **10:36**
